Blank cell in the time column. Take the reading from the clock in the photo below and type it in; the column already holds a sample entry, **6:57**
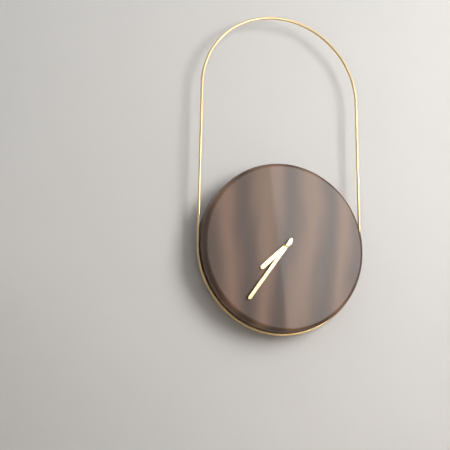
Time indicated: **7:36**
